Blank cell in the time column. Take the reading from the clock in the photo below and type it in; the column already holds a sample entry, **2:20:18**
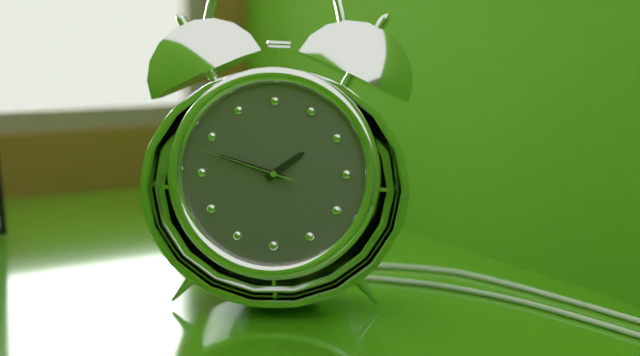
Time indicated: **1:48:48**
